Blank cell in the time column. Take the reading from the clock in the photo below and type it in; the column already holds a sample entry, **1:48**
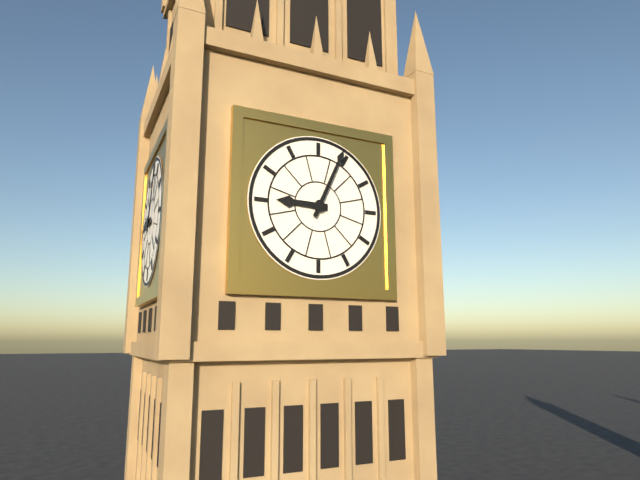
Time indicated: **9:04**
